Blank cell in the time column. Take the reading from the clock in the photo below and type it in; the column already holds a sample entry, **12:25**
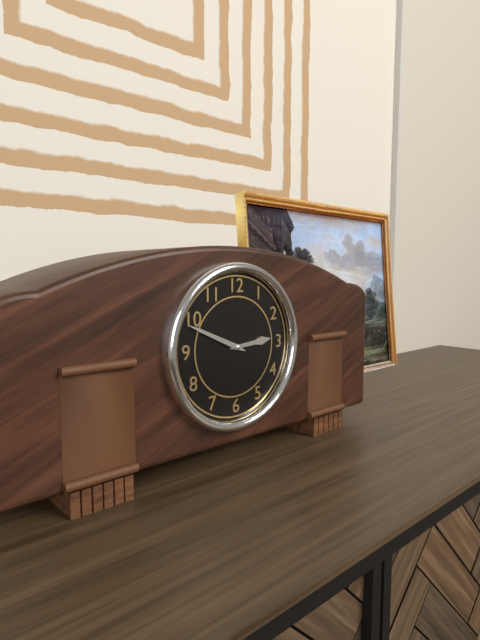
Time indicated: **2:49**
